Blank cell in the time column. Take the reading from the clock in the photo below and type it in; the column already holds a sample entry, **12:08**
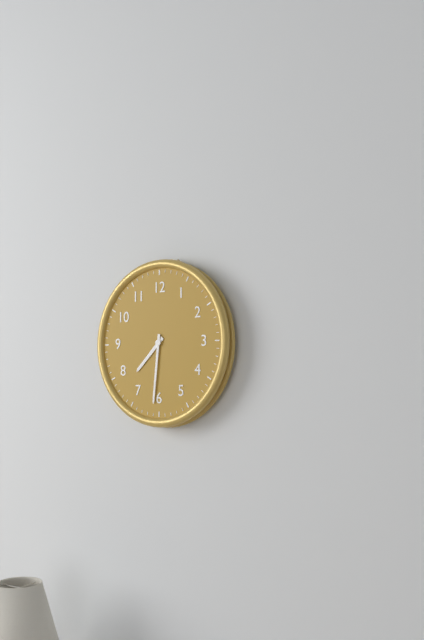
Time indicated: **7:31**
